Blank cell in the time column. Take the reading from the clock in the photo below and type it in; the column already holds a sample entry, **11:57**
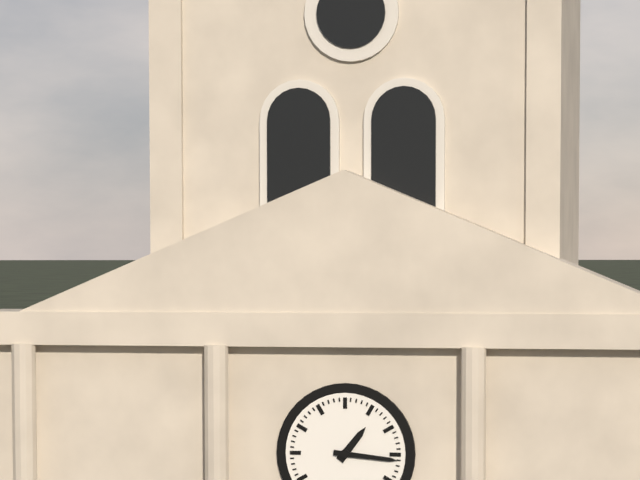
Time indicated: **1:16**
